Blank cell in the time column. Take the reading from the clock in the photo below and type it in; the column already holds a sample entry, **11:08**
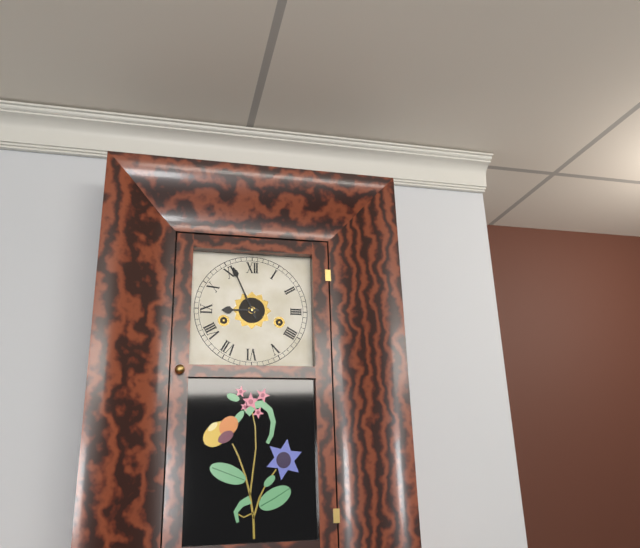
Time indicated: **8:56**
